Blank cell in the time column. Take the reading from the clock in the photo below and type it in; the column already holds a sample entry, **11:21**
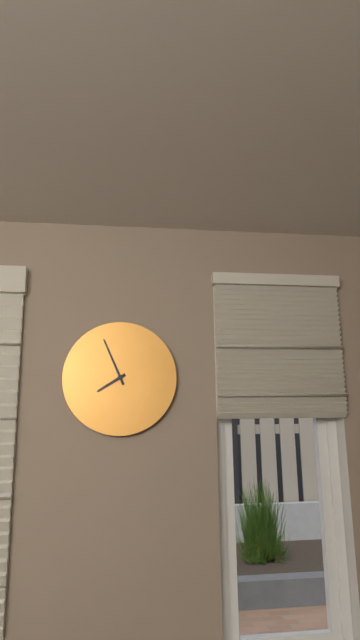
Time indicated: **7:56**
